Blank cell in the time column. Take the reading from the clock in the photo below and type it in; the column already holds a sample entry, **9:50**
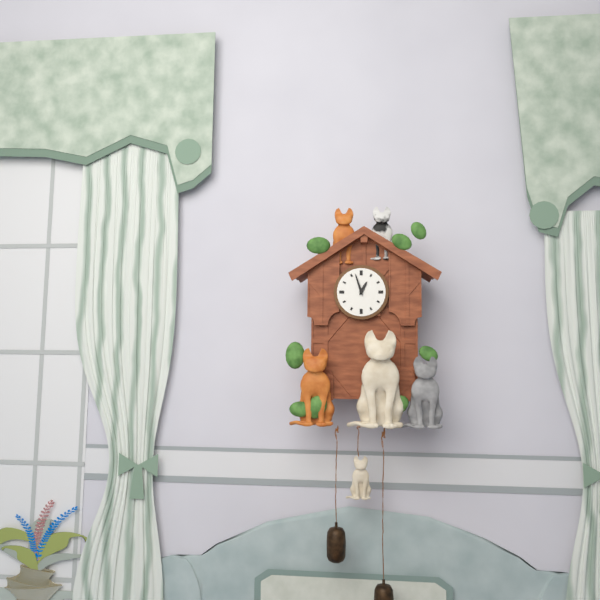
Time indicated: **12:57**
